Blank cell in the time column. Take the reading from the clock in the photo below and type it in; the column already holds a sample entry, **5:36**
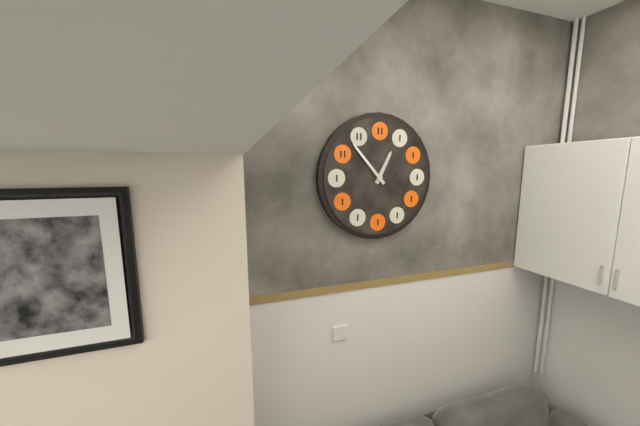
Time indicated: **12:53**
